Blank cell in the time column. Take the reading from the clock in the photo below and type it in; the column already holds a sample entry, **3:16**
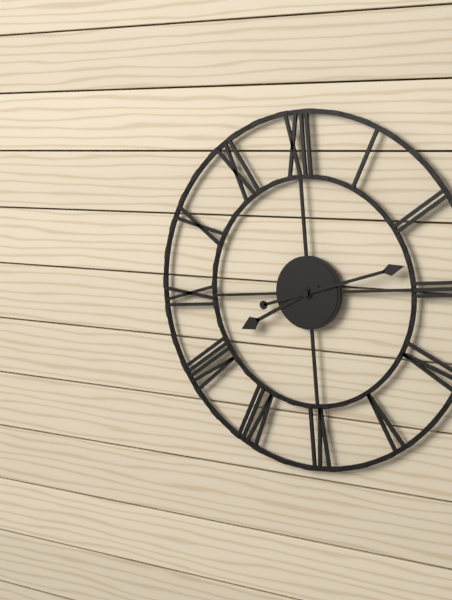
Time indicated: **8:13**
